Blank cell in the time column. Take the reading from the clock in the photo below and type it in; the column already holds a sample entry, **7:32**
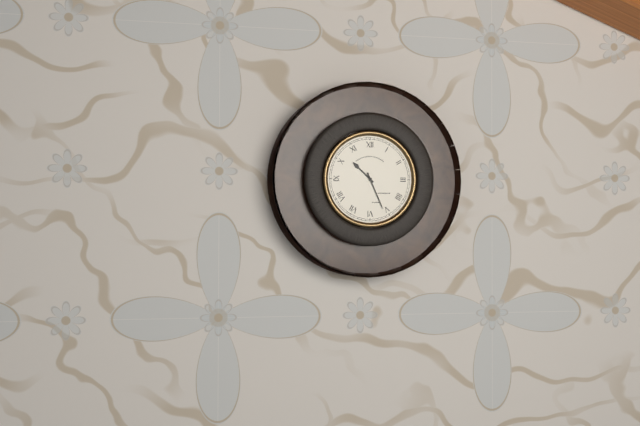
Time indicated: **10:26**
